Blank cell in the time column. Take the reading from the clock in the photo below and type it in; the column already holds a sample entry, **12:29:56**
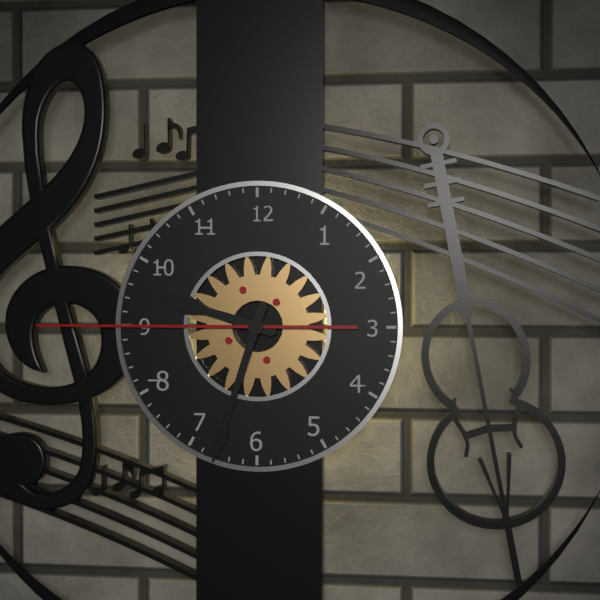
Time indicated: **9:33:45**
